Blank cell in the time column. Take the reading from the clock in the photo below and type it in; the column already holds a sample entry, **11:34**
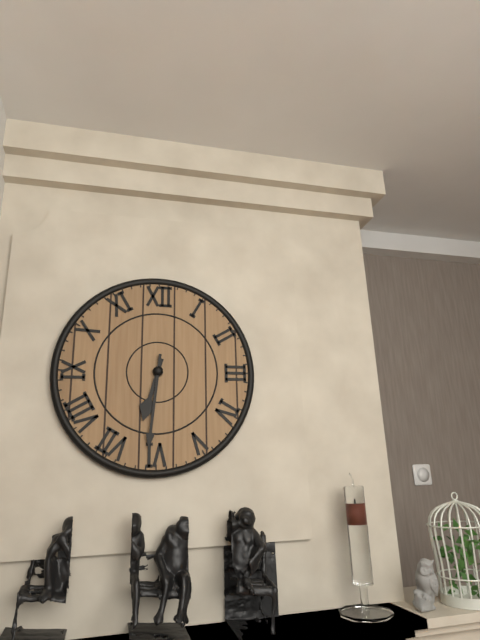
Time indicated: **6:31**
